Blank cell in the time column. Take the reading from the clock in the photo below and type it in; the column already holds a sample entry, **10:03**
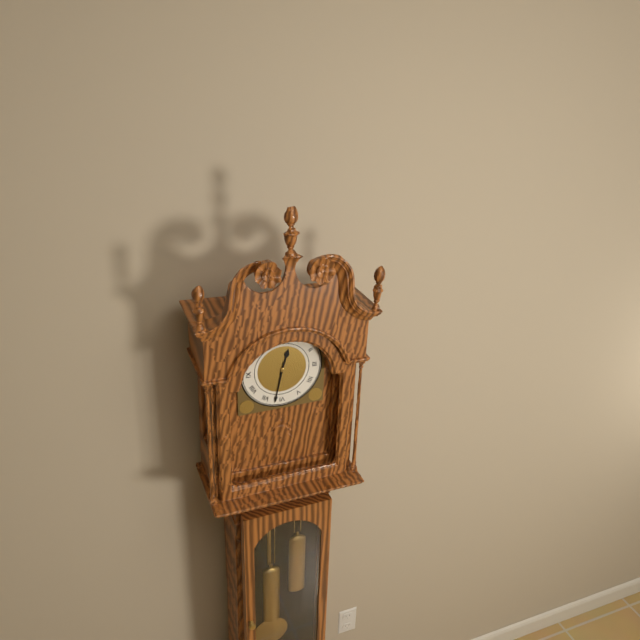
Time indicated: **12:32**
